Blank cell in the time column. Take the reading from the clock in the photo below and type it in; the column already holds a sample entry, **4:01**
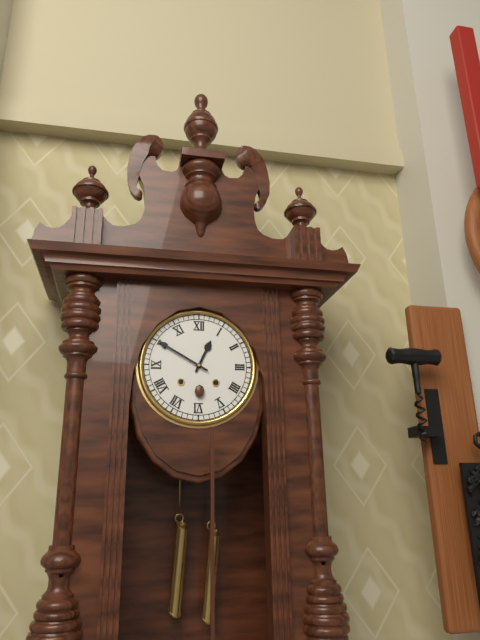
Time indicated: **12:50**
